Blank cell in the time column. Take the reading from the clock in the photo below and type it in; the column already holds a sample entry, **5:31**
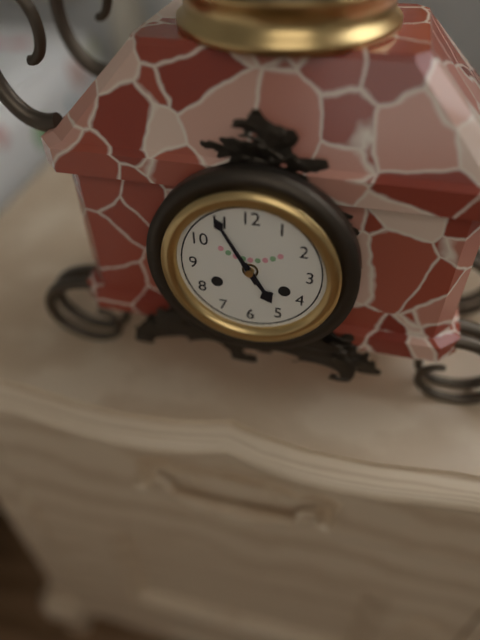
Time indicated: **4:55**
